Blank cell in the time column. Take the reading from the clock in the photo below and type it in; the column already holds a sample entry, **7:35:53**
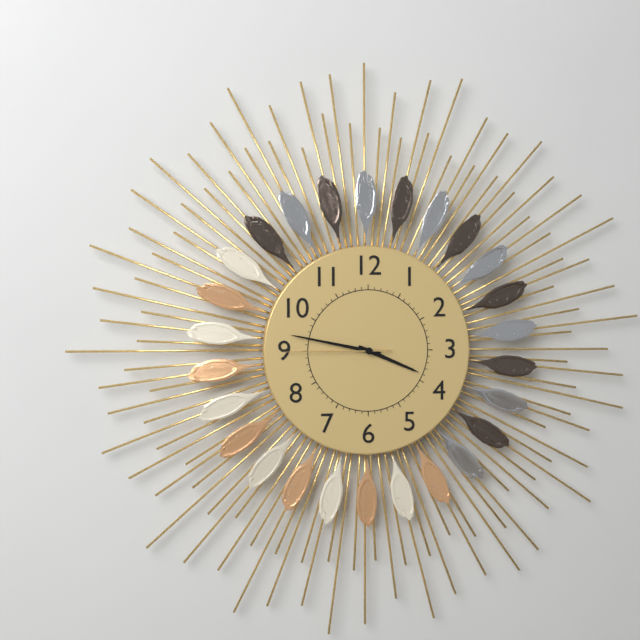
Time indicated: **3:47:45**
